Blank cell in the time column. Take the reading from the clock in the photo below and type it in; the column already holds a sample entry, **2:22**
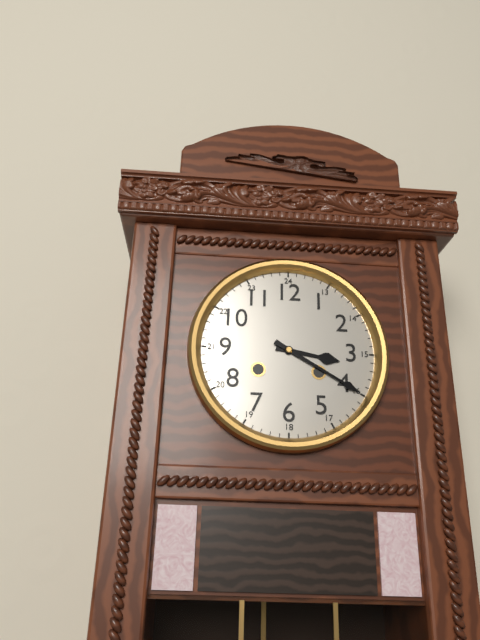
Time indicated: **3:20**
